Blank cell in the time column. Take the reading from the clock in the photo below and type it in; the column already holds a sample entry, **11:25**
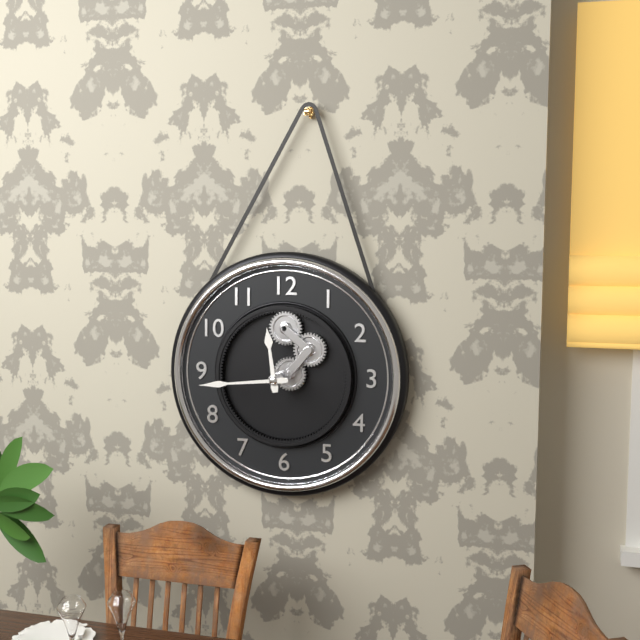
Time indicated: **11:44**
